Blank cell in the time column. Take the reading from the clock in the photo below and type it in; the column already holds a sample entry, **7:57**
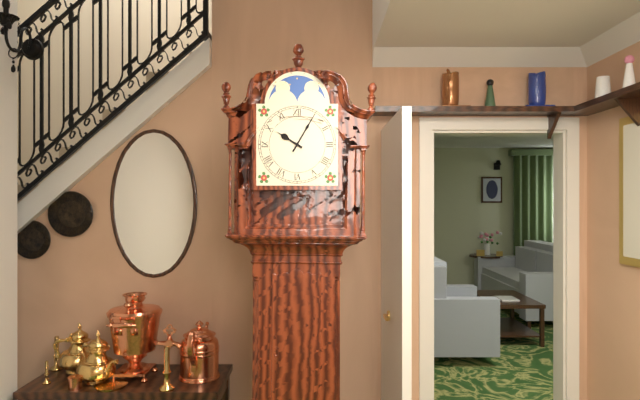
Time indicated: **10:05**
